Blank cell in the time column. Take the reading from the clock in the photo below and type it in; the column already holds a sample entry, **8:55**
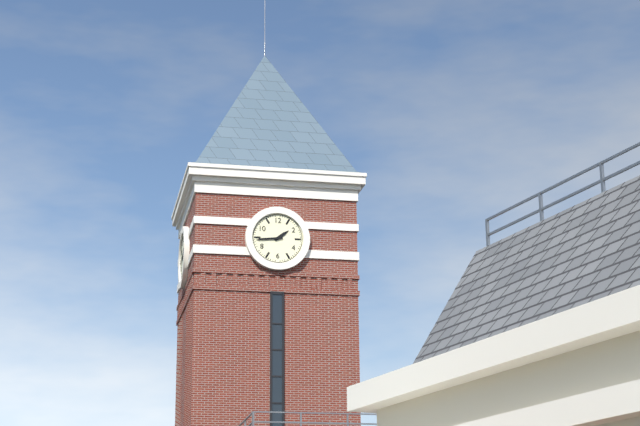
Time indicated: **1:44**
